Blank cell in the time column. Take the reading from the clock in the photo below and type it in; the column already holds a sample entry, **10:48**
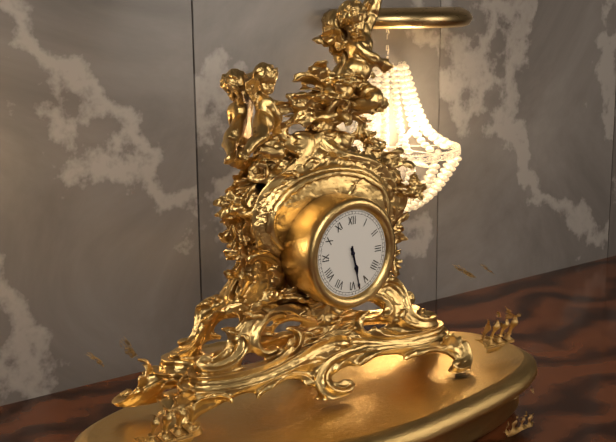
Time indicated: **5:28**
